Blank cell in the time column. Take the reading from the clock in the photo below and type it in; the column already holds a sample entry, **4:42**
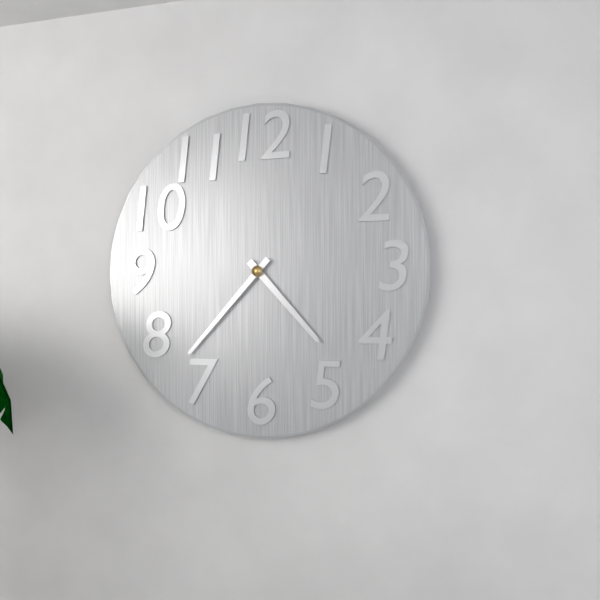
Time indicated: **4:37**
